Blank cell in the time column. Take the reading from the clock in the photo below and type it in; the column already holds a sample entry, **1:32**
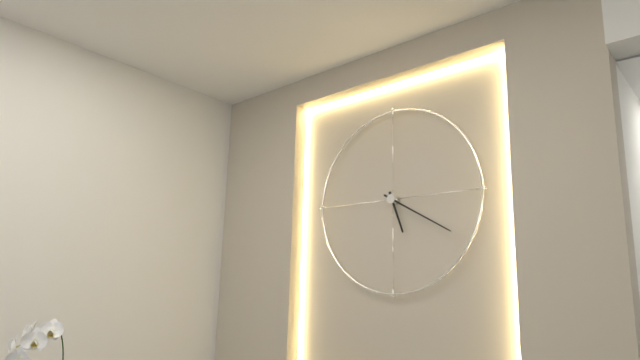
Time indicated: **5:20**
